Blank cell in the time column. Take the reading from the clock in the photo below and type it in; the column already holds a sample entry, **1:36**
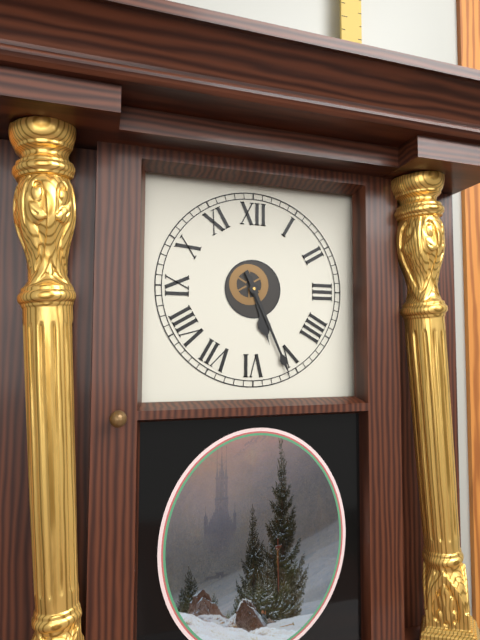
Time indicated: **5:26**
